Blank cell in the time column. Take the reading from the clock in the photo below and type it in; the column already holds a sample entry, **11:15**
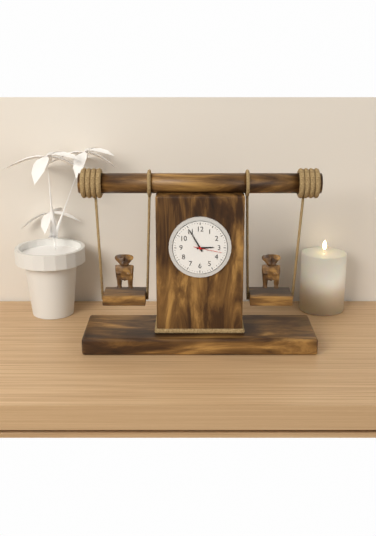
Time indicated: **2:55**
